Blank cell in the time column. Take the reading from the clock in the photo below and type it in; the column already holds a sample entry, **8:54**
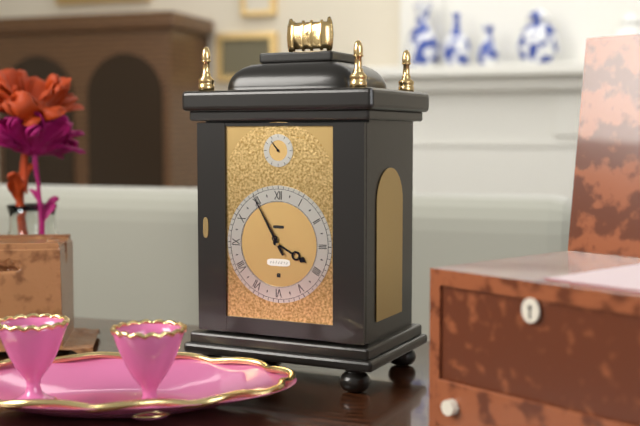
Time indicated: **3:55**
